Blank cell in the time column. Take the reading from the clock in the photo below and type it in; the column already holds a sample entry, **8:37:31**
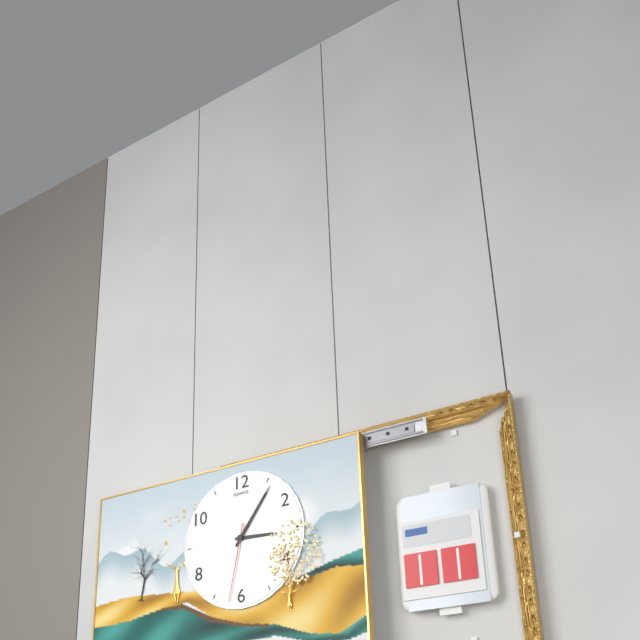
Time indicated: **3:06:32**
